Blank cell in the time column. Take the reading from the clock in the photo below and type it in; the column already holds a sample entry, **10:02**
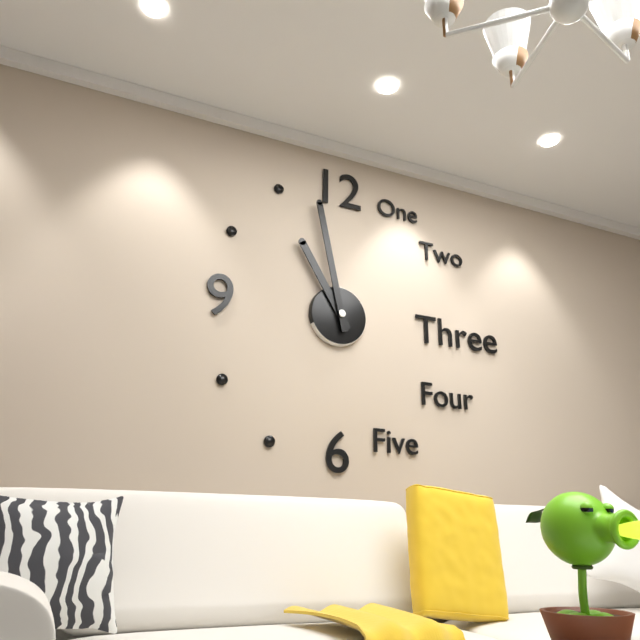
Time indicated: **10:58**
